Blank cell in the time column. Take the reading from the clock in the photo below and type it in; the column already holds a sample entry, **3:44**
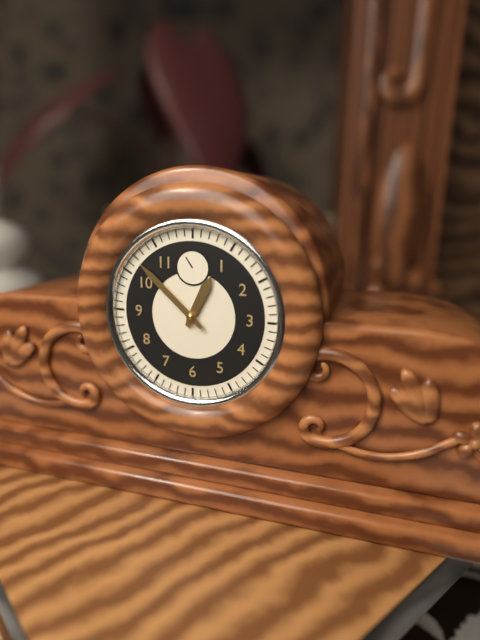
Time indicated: **12:52**
